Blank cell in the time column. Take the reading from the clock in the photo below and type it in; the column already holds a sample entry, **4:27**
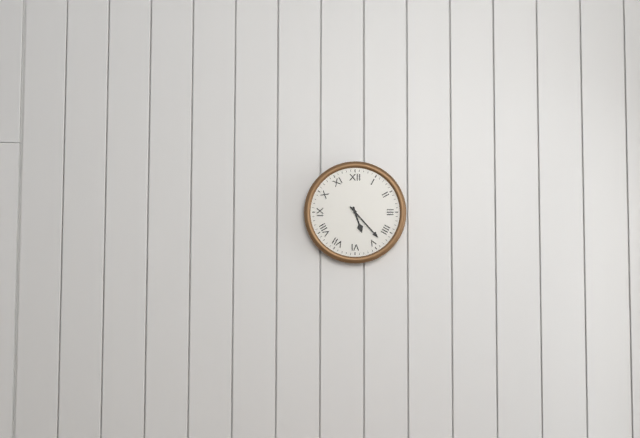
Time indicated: **5:23**
